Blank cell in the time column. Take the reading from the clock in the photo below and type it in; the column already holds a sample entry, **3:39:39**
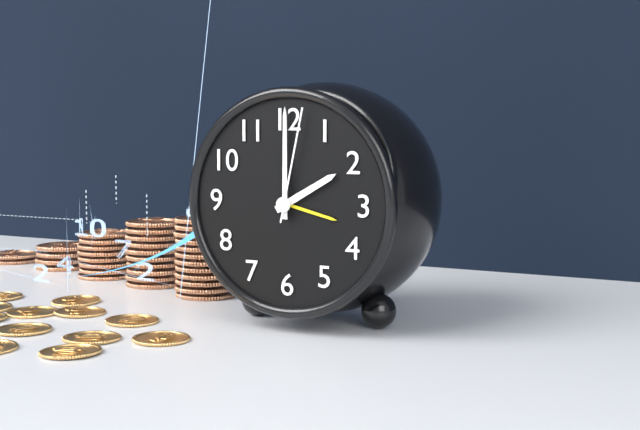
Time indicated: **2:00:02**
